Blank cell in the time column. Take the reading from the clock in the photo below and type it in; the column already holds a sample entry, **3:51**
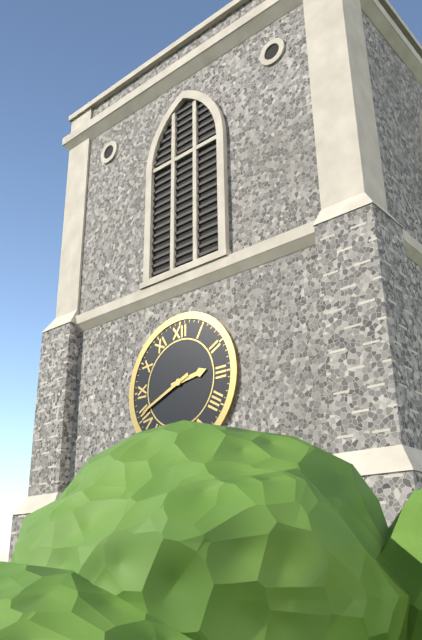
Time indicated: **2:41**
